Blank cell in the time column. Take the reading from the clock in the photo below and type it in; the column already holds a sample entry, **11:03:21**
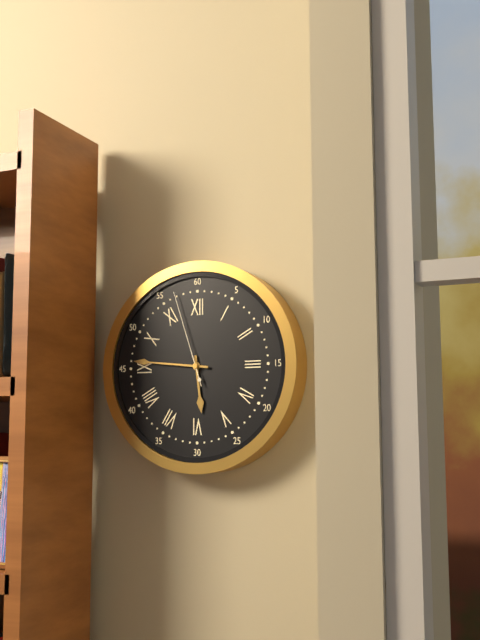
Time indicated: **5:46:57**
